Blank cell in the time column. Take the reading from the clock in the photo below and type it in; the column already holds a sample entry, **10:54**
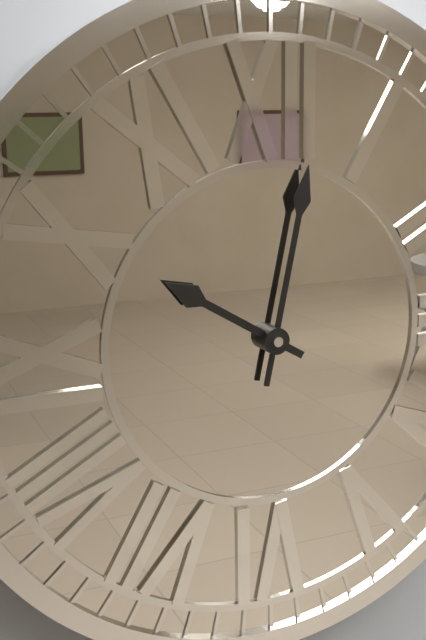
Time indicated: **10:02**
